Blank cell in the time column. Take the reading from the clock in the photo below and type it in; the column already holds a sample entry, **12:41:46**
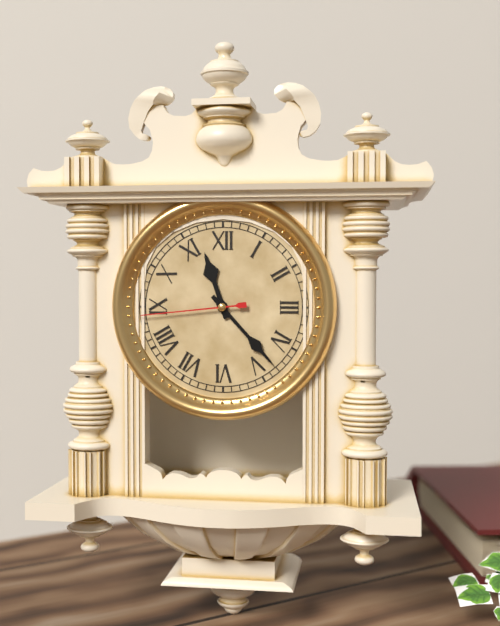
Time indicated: **11:23:44**
